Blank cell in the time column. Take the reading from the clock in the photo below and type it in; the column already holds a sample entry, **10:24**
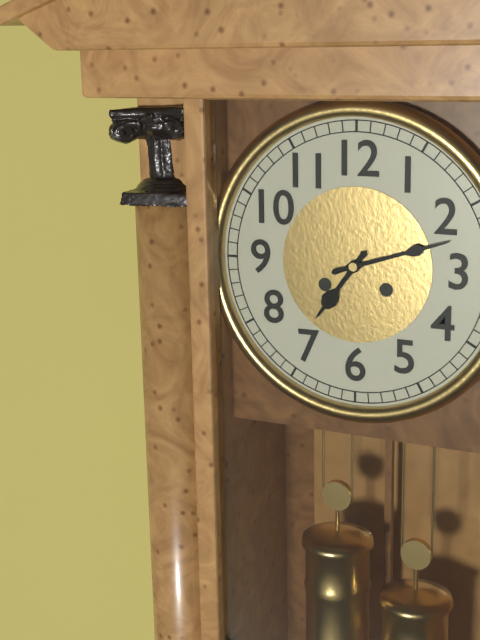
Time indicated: **7:12**
